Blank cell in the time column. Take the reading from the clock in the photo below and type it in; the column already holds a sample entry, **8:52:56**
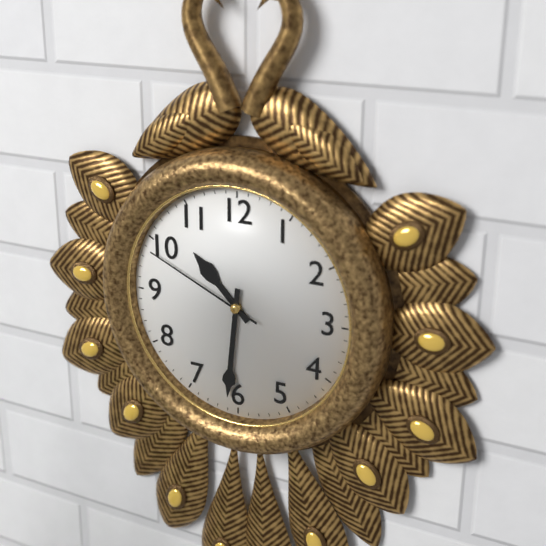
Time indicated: **10:31:49**
